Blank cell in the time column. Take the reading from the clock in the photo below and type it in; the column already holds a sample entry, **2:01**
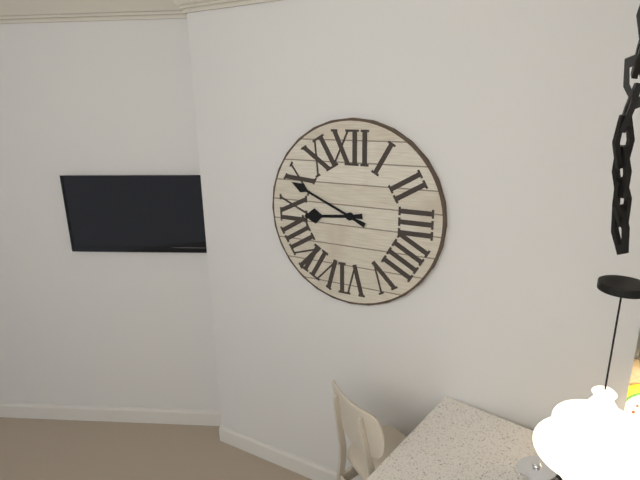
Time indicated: **8:49**
